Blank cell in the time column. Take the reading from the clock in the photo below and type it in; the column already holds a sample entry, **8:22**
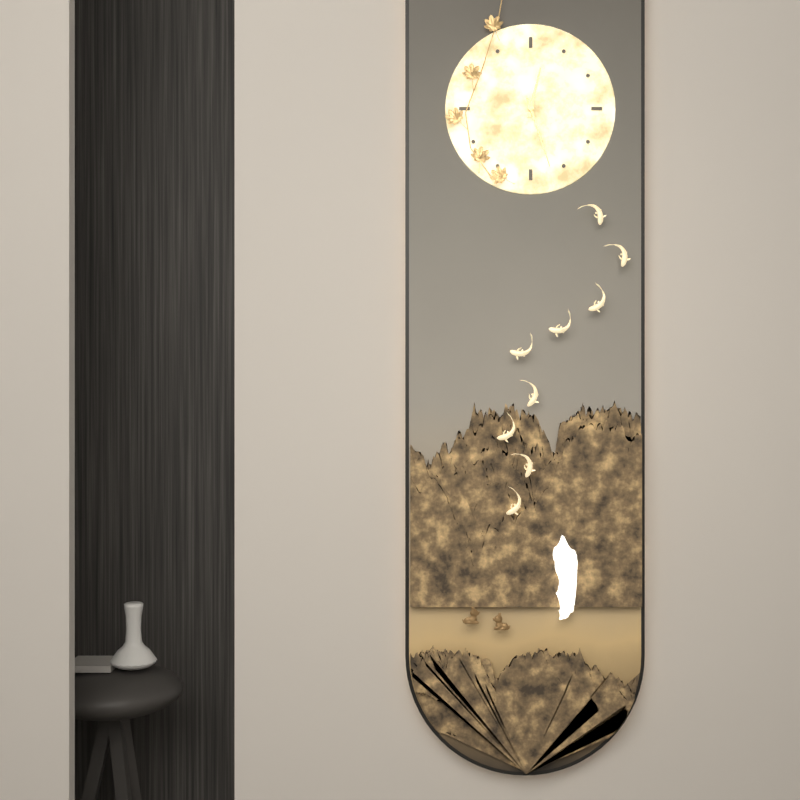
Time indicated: **12:27**
